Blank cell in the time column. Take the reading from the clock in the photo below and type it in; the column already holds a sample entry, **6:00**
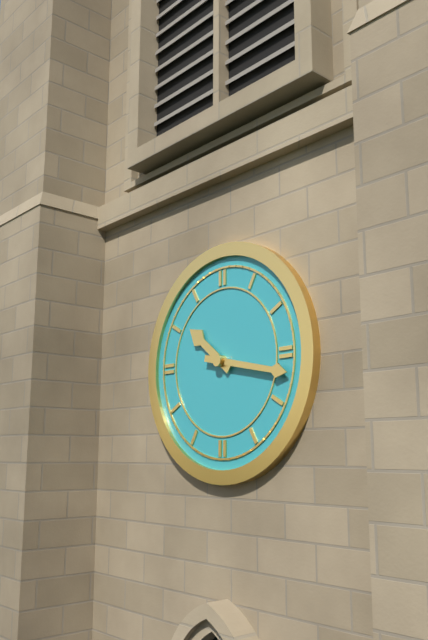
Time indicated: **10:17**
